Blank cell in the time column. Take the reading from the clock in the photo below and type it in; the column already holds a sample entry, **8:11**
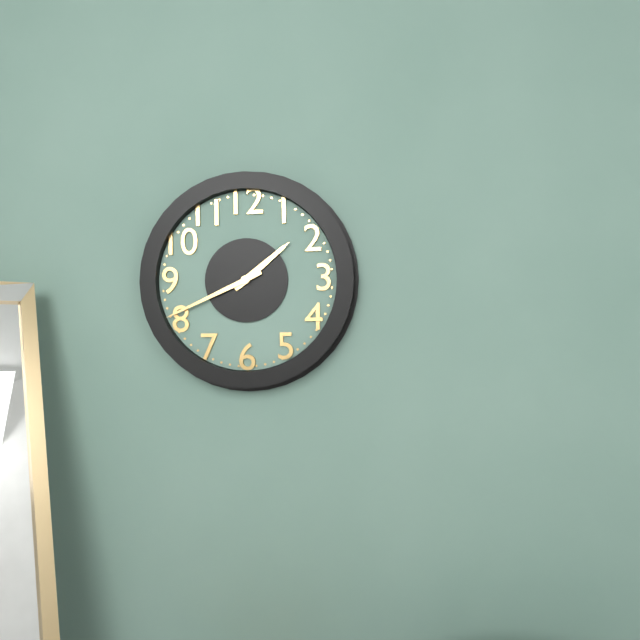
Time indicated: **1:41**
